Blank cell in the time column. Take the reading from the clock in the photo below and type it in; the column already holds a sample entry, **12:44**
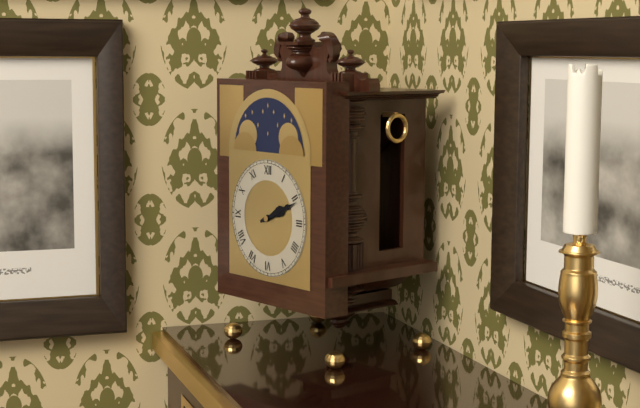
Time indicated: **2:11**
